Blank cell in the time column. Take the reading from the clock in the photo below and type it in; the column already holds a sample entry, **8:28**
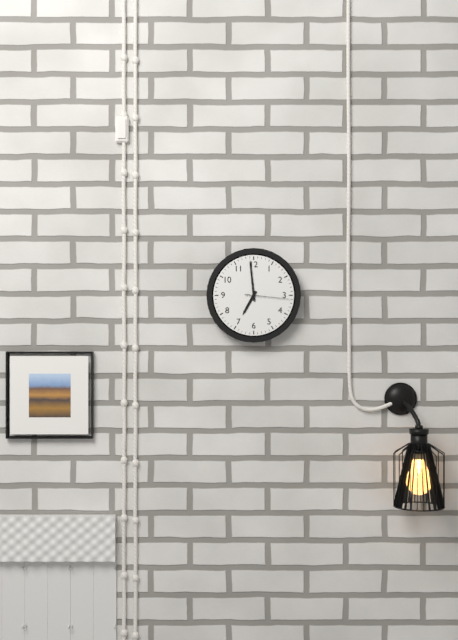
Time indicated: **6:59**
